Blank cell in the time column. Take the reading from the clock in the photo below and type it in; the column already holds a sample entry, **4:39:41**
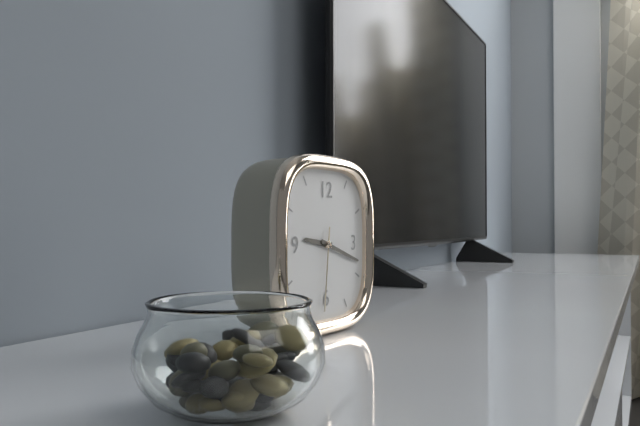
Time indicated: **9:18:31**
